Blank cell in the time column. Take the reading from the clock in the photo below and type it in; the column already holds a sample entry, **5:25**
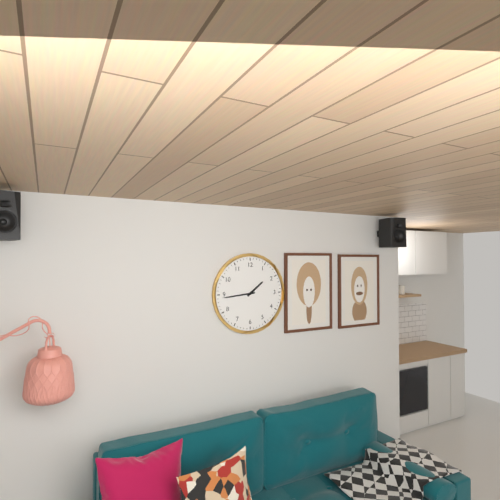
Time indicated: **1:44**
